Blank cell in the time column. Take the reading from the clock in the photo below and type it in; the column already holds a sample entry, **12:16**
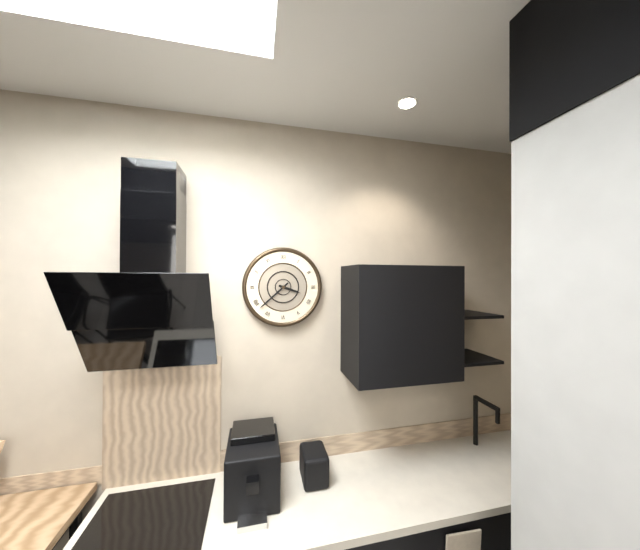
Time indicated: **3:38**
